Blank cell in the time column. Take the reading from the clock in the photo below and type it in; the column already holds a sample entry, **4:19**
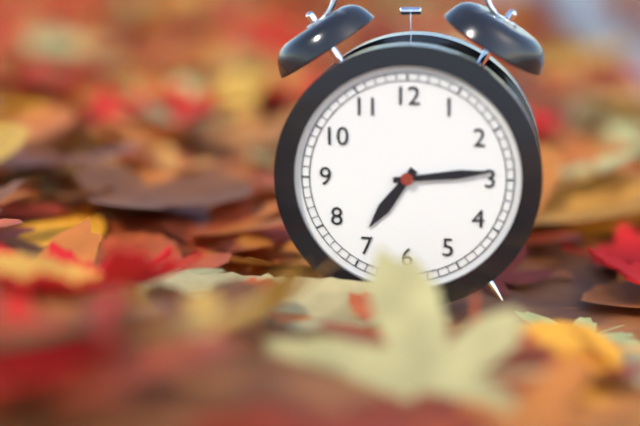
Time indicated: **7:14**
